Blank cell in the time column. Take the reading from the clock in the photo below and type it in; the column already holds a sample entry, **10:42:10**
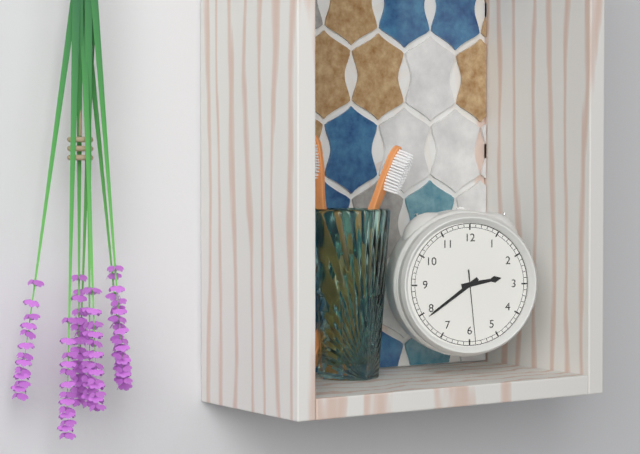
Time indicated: **2:39:29**
